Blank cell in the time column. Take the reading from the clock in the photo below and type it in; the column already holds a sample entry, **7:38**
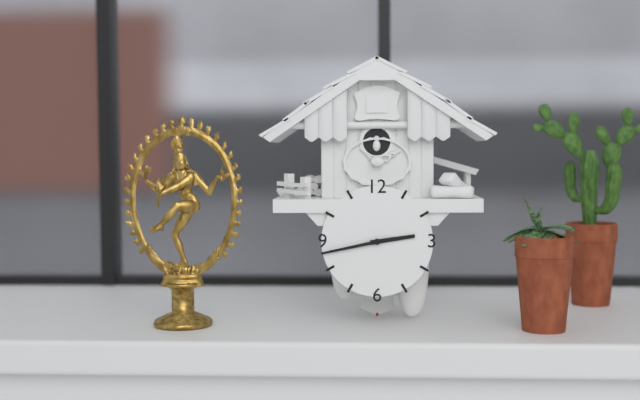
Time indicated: **2:43**
